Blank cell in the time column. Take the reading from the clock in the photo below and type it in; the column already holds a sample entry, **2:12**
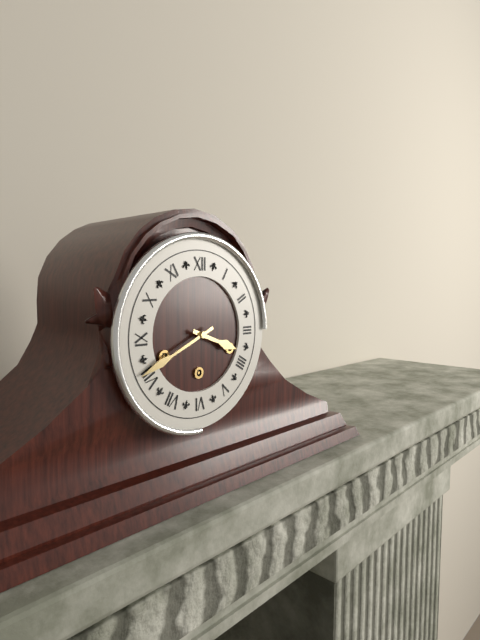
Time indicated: **3:41**
